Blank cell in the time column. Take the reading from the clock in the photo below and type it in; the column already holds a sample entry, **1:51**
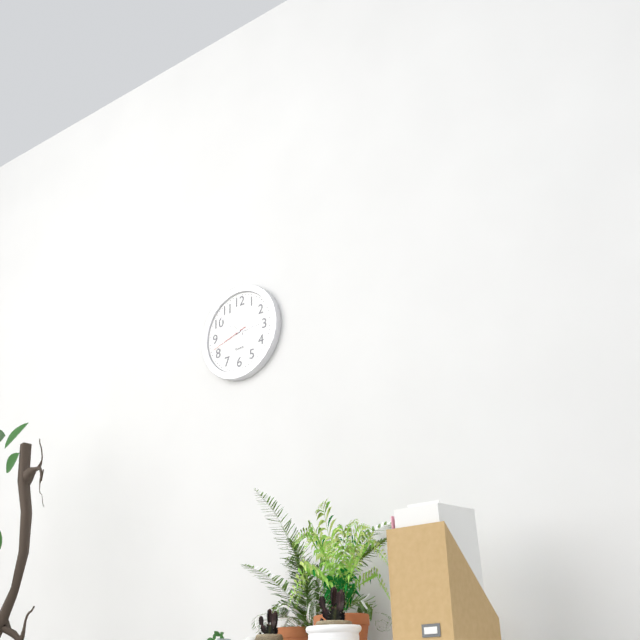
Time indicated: **2:52**
